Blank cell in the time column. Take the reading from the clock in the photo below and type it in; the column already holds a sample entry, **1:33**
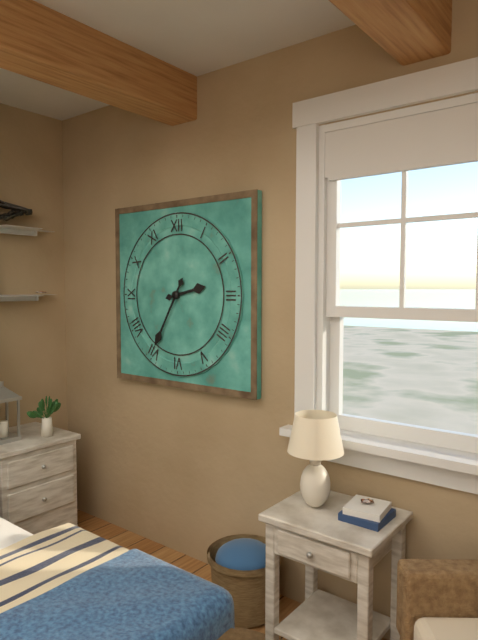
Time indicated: **2:35**
